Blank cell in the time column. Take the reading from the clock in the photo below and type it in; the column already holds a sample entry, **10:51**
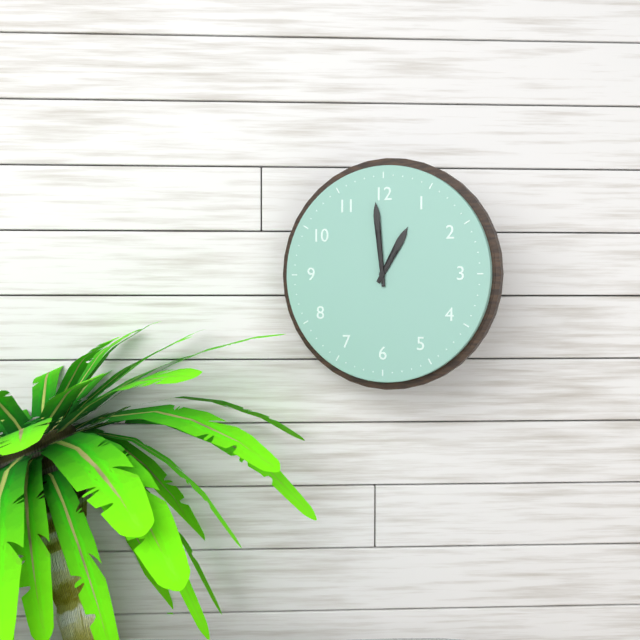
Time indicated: **12:59**
